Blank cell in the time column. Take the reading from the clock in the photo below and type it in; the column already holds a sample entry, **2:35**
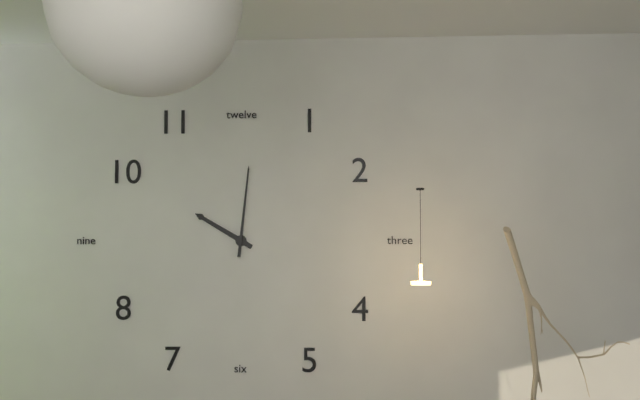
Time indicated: **10:01**
